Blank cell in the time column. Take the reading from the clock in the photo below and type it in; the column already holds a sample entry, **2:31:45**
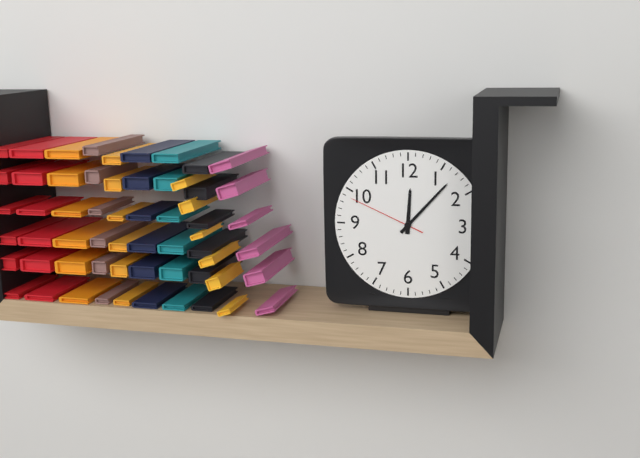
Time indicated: **12:07:49**
